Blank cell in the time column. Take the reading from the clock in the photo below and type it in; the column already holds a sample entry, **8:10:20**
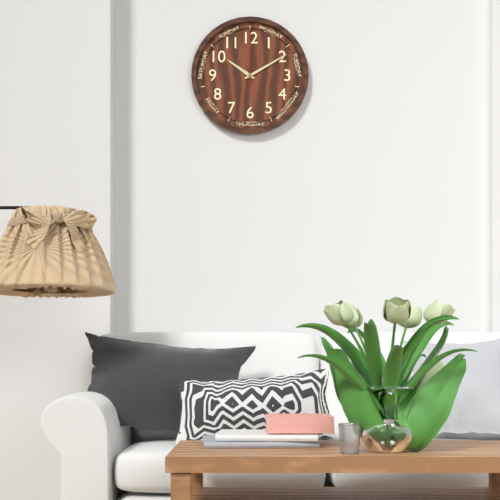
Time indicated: **10:10:00**
